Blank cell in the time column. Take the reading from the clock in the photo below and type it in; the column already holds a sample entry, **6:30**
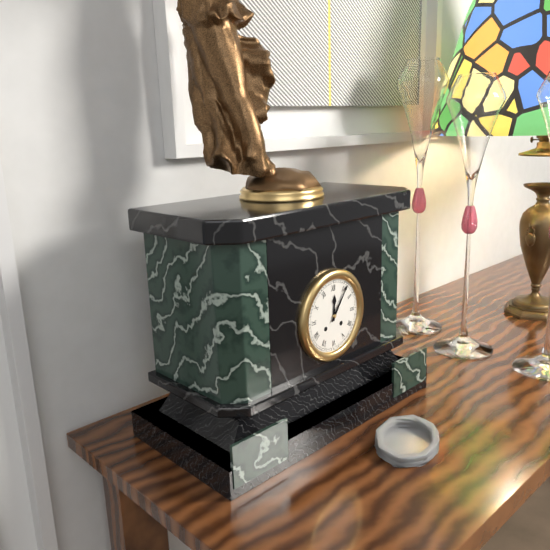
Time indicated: **12:06**
